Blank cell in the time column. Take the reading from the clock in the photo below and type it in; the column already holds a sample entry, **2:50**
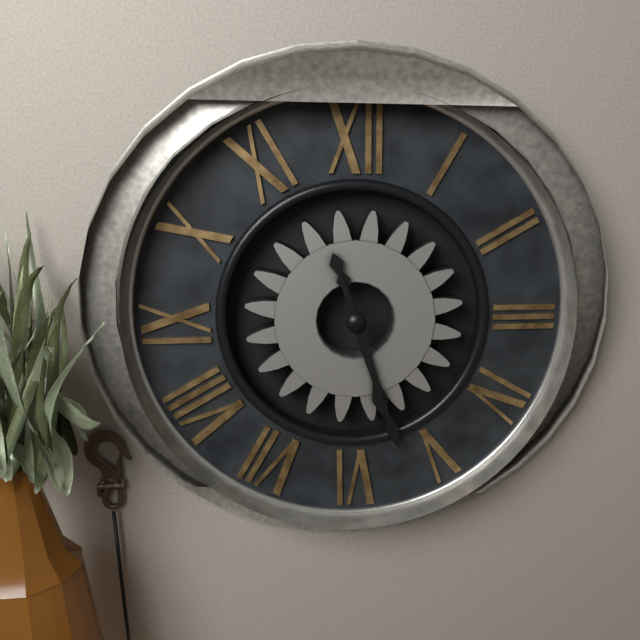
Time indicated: **5:27**
